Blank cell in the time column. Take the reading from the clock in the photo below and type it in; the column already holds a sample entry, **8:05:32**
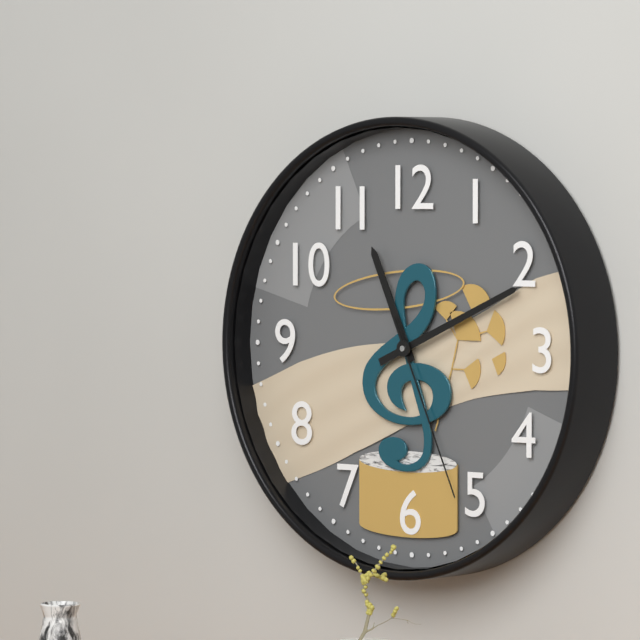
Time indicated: **11:11:26**
